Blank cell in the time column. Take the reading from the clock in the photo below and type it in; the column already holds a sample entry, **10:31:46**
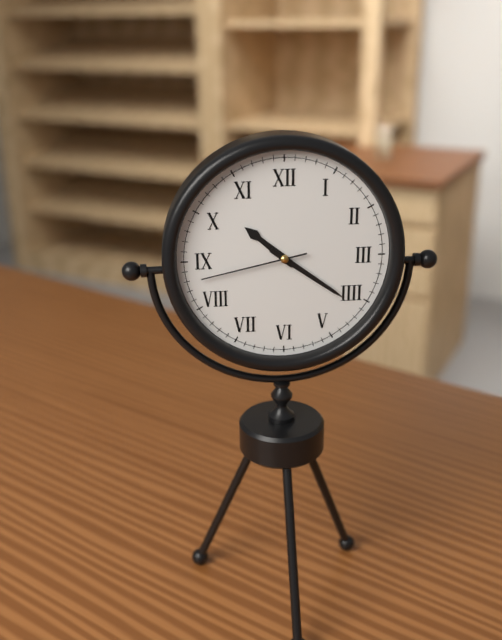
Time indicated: **10:21:43**
